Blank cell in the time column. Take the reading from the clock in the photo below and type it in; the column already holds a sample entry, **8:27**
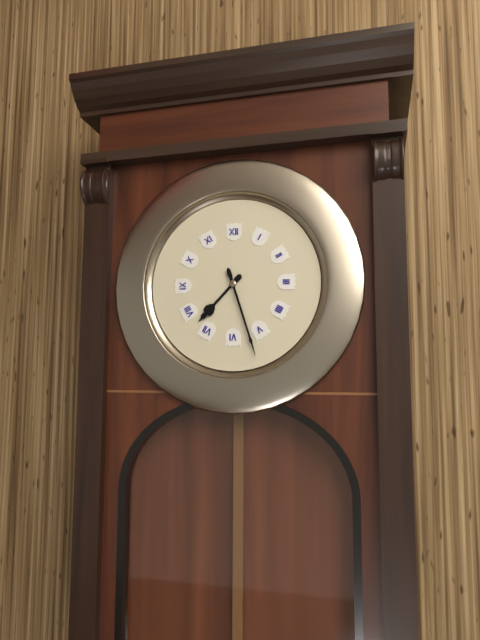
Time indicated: **7:27**
